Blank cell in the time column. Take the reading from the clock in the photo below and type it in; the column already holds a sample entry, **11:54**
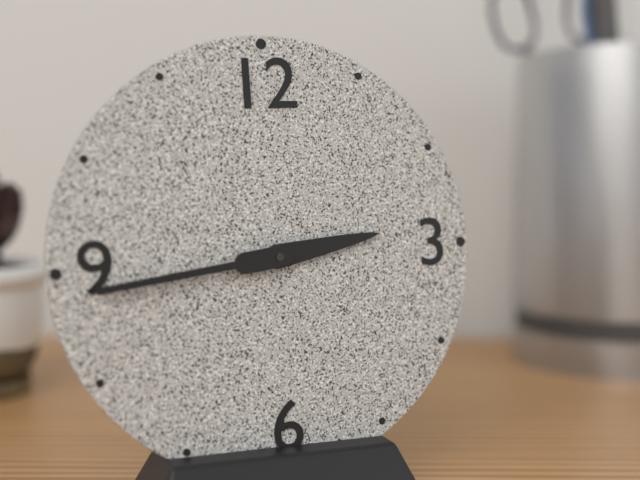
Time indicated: **2:44**
